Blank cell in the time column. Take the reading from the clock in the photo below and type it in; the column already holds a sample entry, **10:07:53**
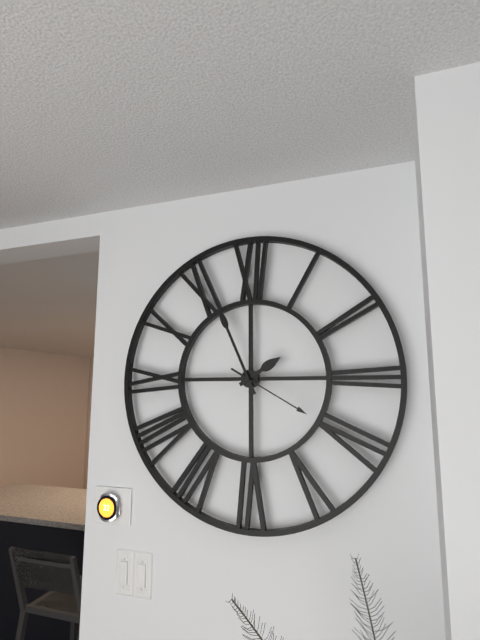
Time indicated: **1:56:20**
